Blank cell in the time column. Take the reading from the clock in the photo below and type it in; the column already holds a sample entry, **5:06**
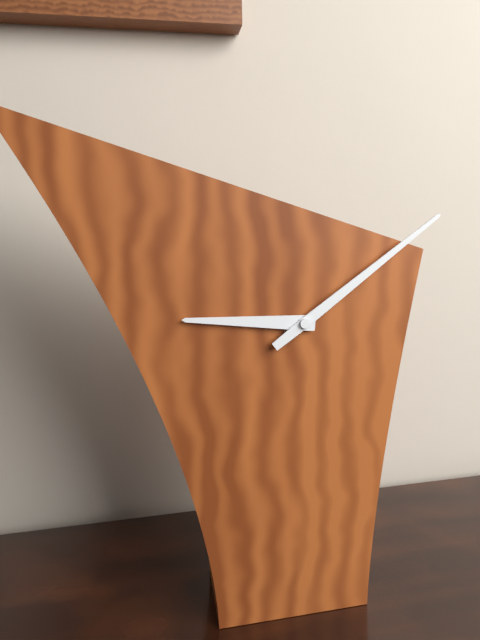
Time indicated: **9:09**
